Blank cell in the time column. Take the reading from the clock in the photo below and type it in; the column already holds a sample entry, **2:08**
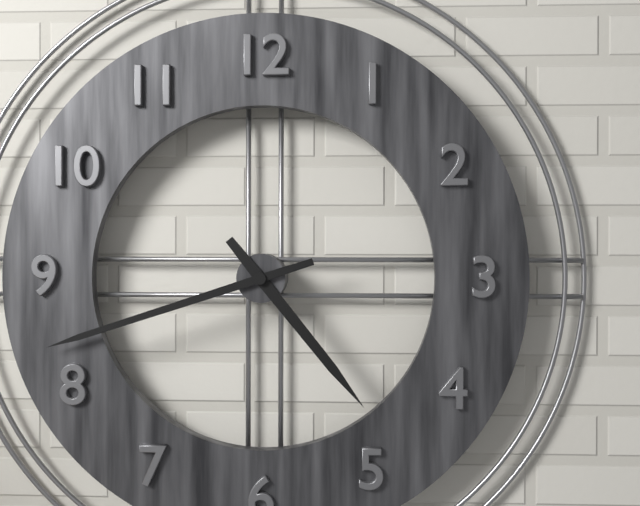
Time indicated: **4:42**
